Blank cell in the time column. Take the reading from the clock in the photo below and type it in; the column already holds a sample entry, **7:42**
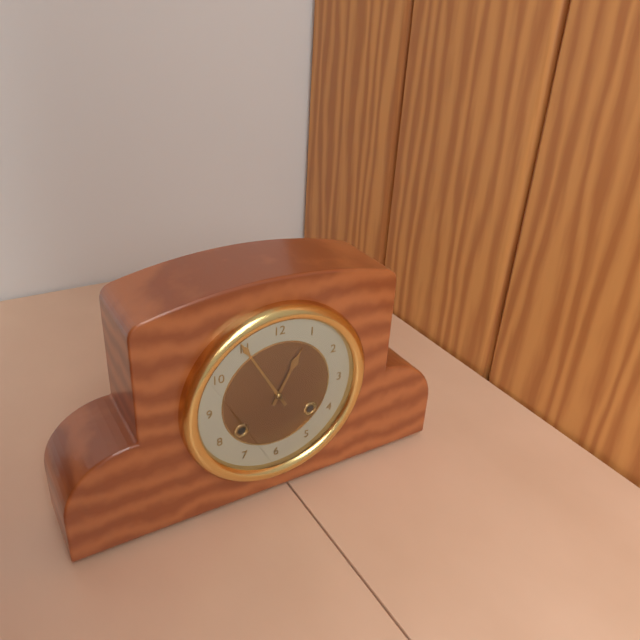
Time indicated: **12:55**
